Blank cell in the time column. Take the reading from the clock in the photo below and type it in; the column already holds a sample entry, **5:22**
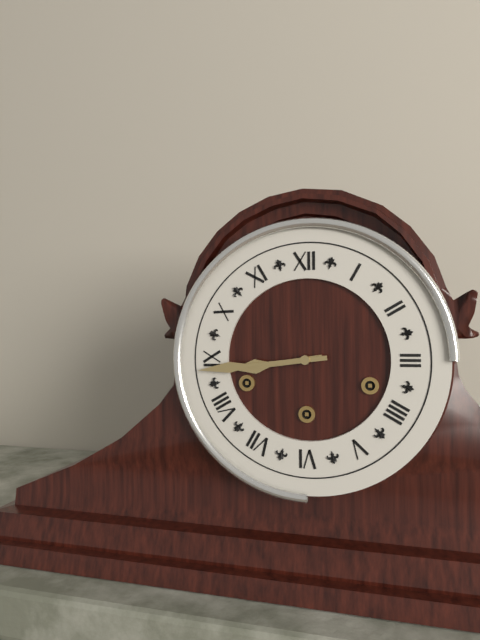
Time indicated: **8:44**
